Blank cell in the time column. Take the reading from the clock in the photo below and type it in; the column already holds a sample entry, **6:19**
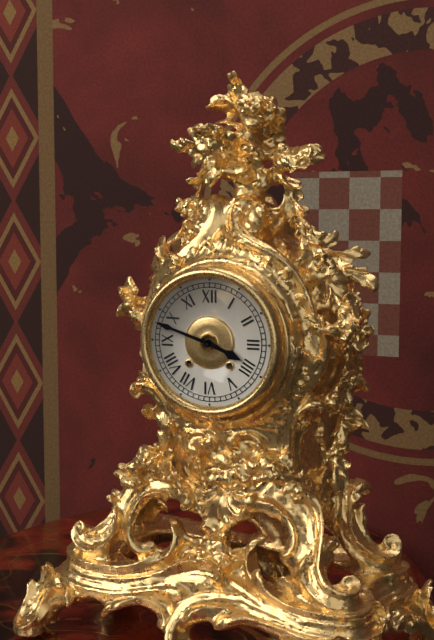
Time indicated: **3:48**
